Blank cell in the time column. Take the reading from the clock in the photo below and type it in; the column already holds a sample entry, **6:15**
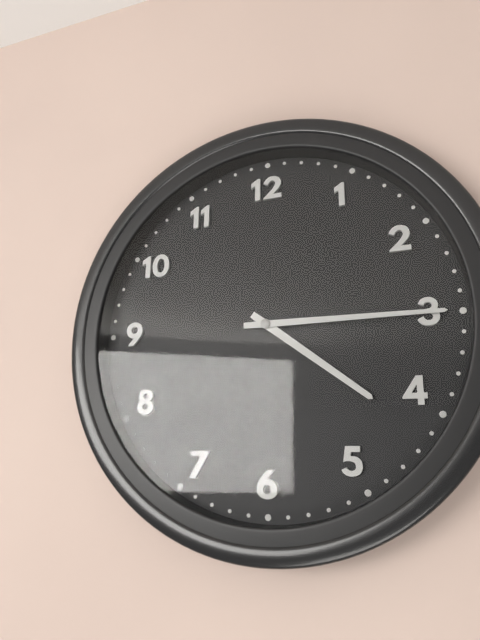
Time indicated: **4:15**
